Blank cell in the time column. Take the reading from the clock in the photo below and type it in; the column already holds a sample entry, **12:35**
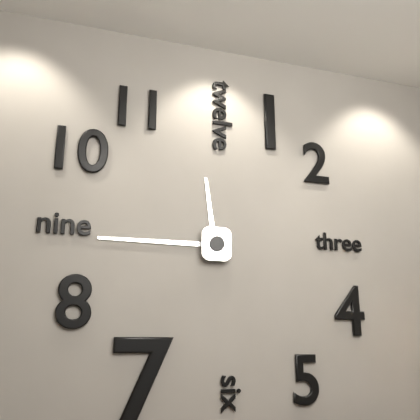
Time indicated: **11:45**
